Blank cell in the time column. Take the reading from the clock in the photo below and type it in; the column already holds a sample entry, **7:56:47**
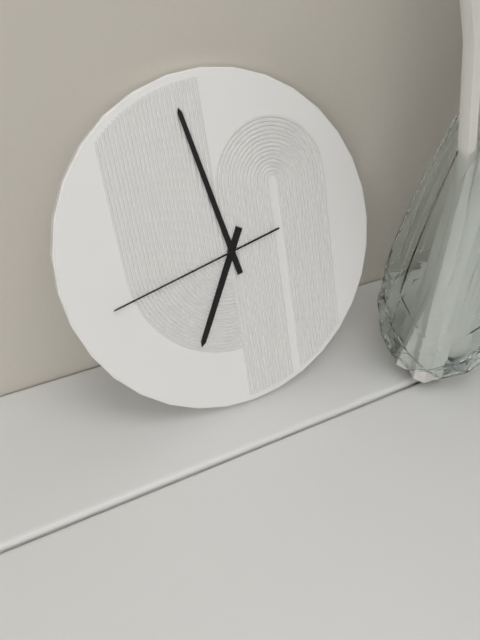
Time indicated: **6:58:43**
